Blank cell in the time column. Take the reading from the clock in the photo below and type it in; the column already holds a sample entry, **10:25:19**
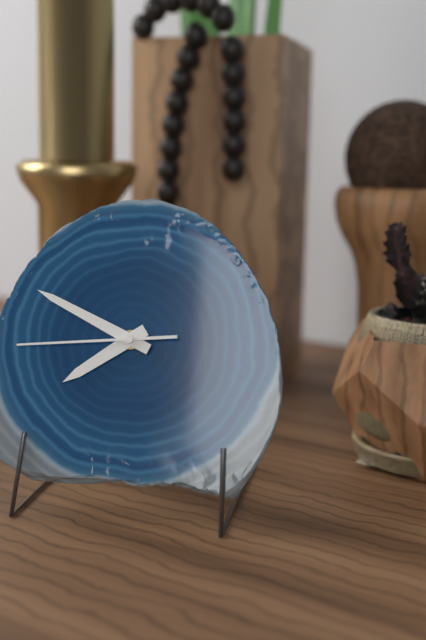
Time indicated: **7:49:44**
